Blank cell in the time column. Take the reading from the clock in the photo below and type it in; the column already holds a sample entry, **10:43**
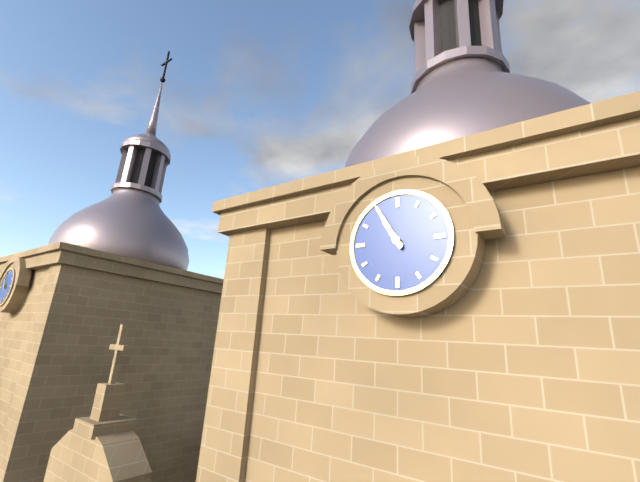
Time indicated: **10:55**
